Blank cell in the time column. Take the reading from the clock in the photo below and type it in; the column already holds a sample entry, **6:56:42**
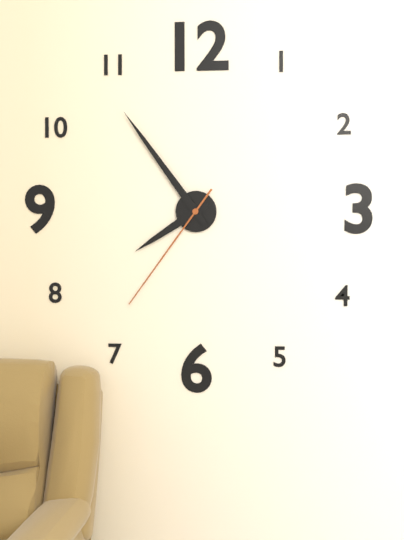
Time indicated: **7:54:36**
